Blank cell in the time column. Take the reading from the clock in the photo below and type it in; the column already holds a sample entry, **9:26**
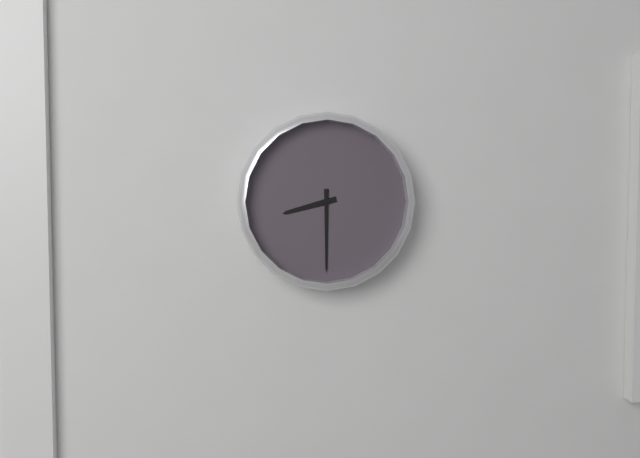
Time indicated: **8:30**
